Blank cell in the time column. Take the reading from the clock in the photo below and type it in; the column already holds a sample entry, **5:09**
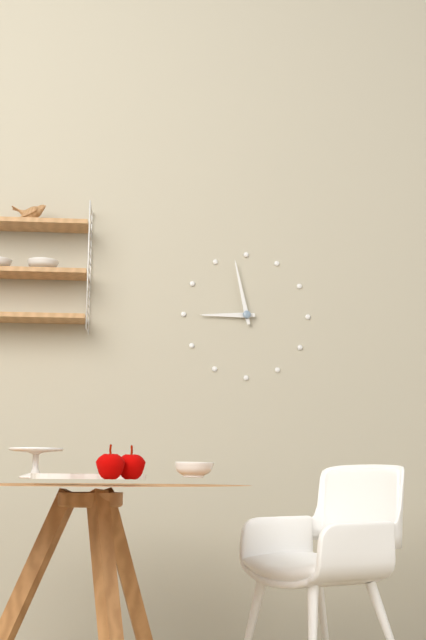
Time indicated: **8:58**
